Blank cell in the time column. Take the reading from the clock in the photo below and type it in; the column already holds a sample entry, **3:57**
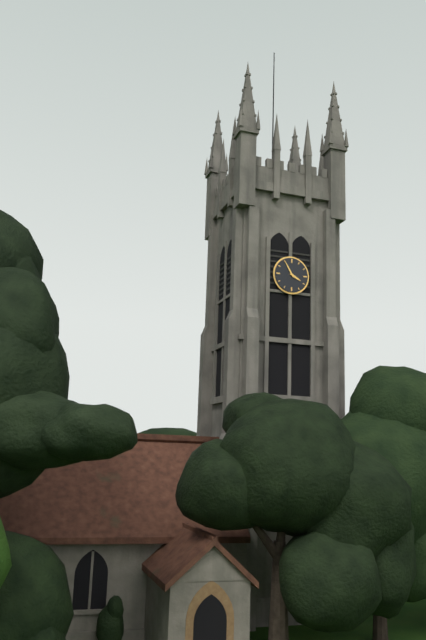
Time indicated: **3:55**
